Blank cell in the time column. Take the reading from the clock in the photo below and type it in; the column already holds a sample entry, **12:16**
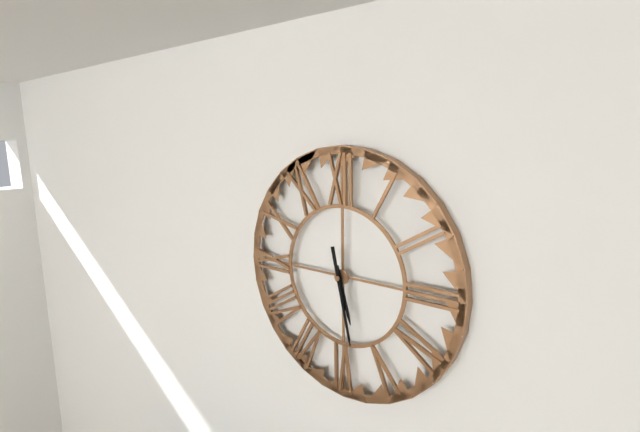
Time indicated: **5:28**
